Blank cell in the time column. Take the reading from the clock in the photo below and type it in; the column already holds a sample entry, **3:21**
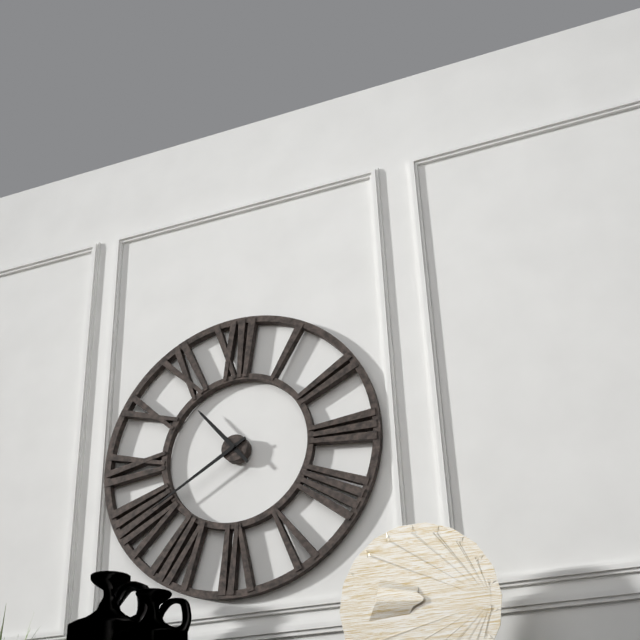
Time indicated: **10:40**
